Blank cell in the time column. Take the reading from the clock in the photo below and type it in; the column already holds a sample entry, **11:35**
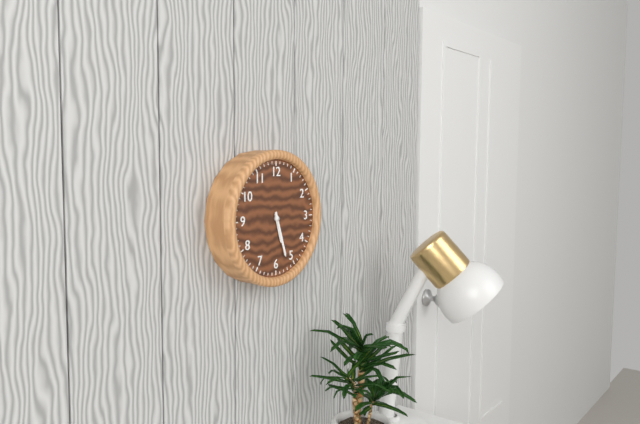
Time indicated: **5:27**
